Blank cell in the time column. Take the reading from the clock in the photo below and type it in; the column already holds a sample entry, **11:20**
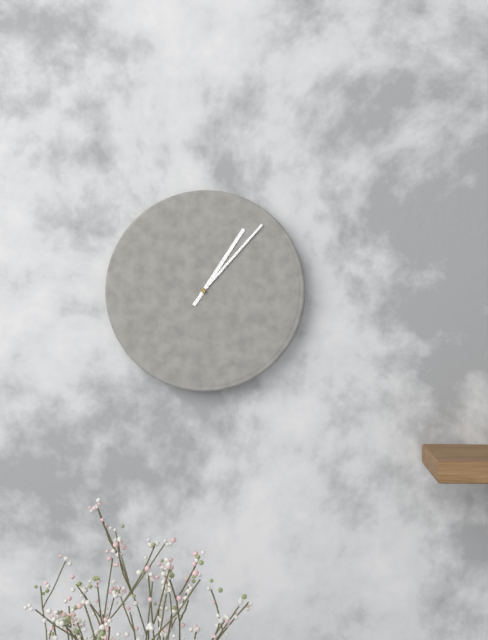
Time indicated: **1:07**
